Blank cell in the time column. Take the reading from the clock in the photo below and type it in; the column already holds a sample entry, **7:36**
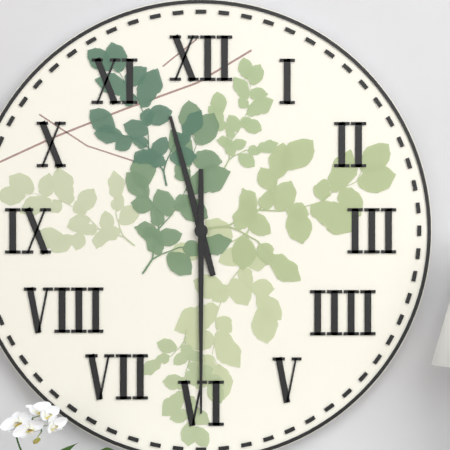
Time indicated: **11:30**
